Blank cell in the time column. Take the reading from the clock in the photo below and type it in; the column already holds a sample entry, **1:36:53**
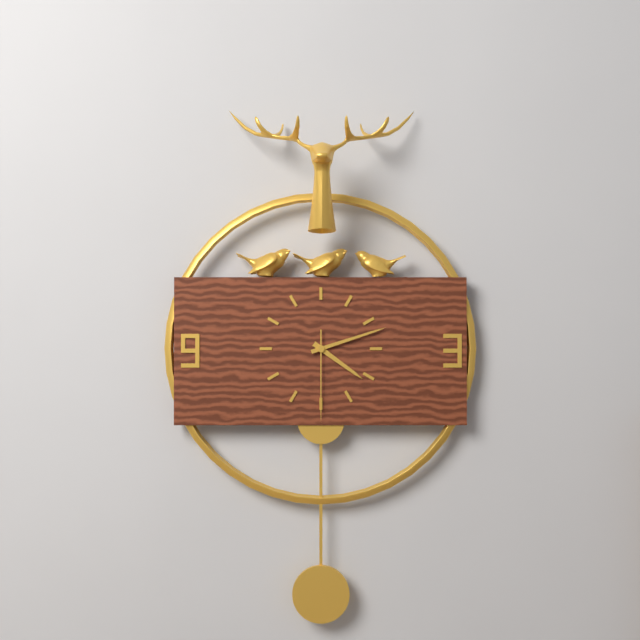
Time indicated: **4:12:30**
